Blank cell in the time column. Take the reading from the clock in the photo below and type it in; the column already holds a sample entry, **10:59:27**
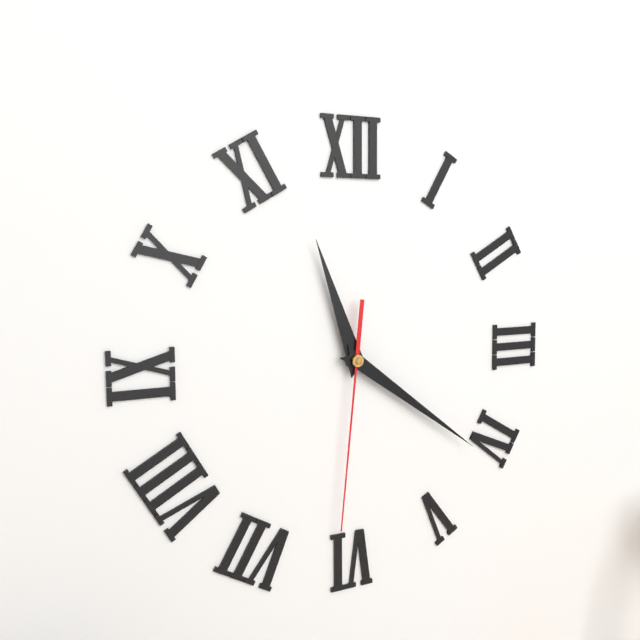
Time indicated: **11:21:31**
